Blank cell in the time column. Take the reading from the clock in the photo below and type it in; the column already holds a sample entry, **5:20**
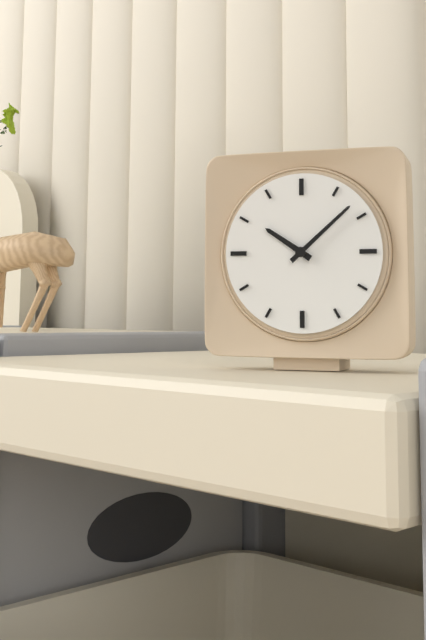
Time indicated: **10:08**
